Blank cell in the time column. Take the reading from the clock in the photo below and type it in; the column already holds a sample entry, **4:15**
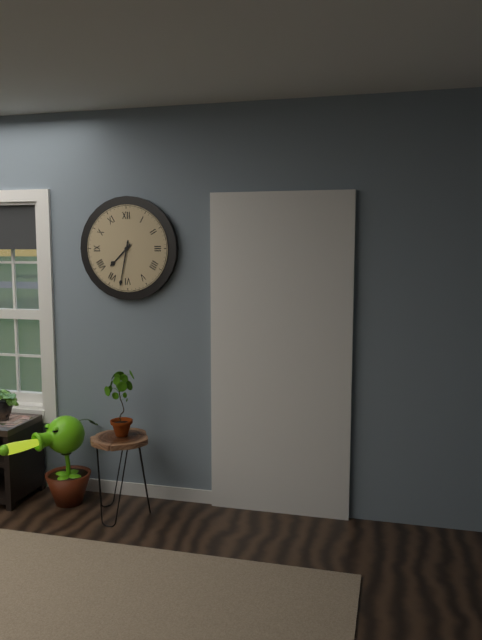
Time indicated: **7:32**
